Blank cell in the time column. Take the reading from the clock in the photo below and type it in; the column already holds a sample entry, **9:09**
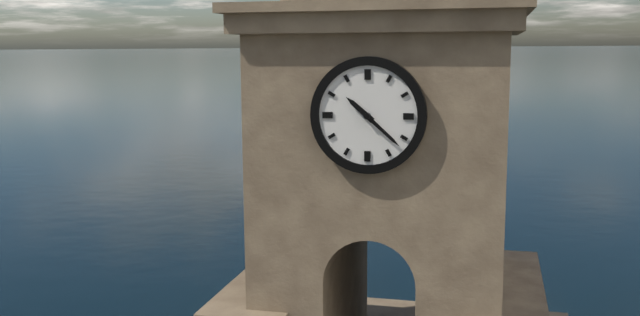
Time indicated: **10:22**
